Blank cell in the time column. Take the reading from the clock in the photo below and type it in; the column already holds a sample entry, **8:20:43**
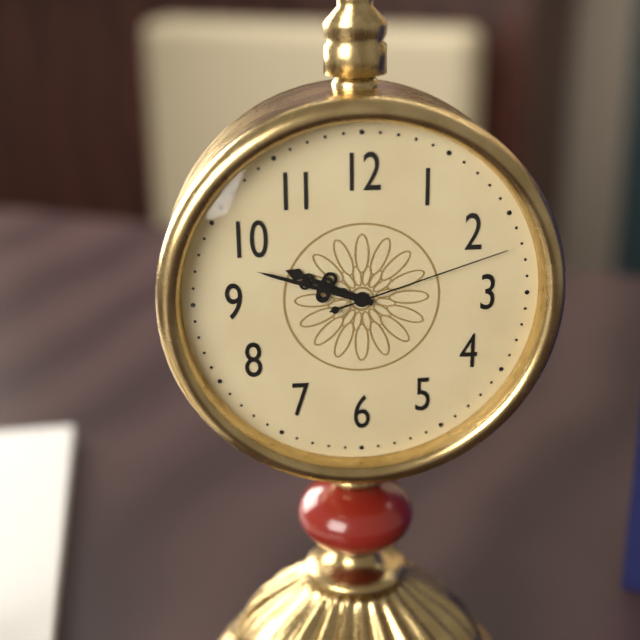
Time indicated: **9:48:12**
